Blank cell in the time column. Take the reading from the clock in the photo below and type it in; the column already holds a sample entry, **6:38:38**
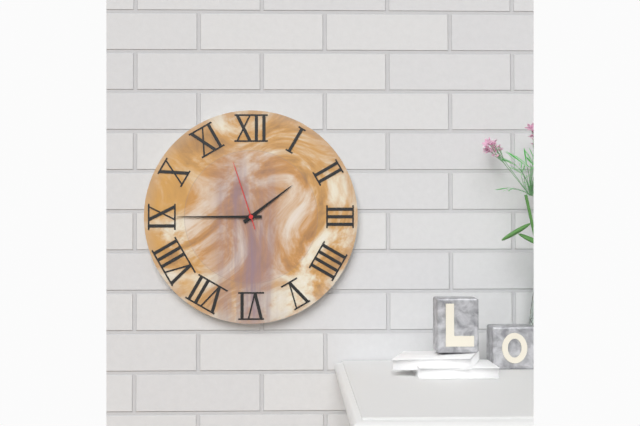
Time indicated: **1:45:57**
